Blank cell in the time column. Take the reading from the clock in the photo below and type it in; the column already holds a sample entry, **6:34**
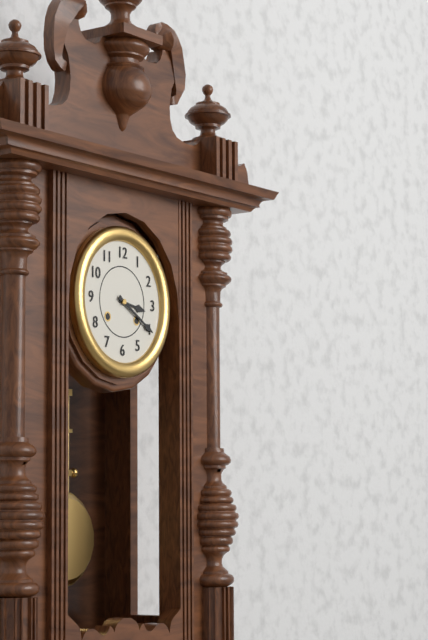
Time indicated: **3:20**
